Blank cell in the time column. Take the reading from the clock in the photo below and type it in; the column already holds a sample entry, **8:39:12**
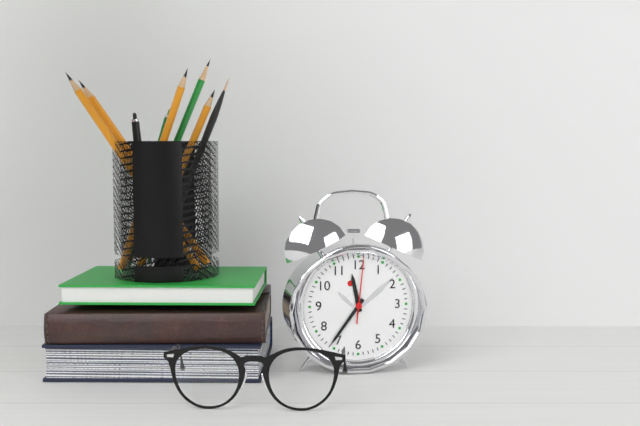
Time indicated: **11:36:01**
